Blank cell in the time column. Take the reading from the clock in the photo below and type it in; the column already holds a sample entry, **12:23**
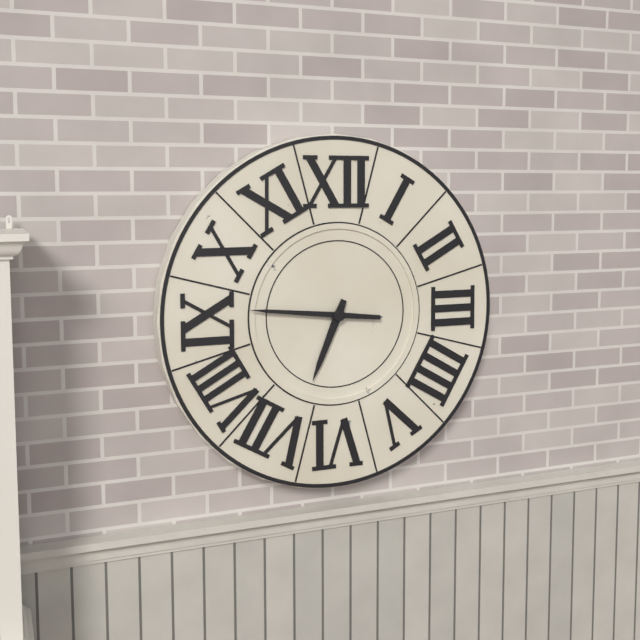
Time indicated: **6:46**
